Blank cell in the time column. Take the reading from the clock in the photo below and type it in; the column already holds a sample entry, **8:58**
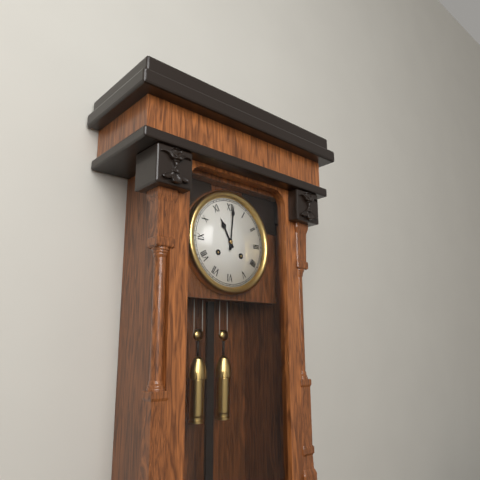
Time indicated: **11:01**
